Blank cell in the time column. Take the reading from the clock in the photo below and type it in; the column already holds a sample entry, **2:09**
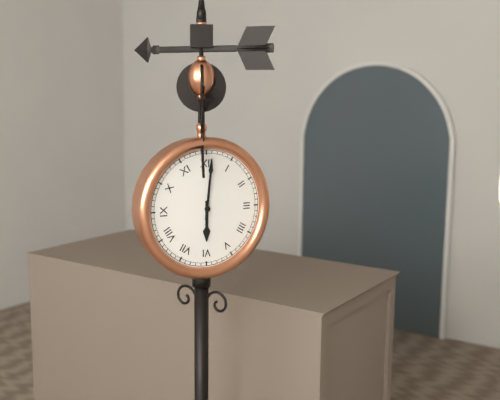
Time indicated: **6:01**
